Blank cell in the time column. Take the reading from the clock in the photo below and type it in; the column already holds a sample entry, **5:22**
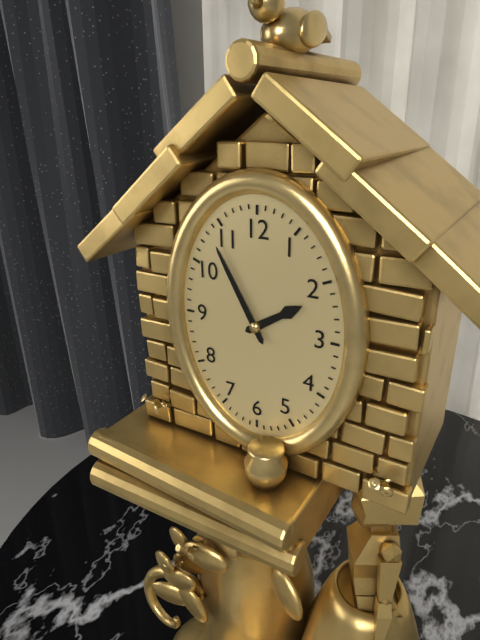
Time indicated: **1:55**
